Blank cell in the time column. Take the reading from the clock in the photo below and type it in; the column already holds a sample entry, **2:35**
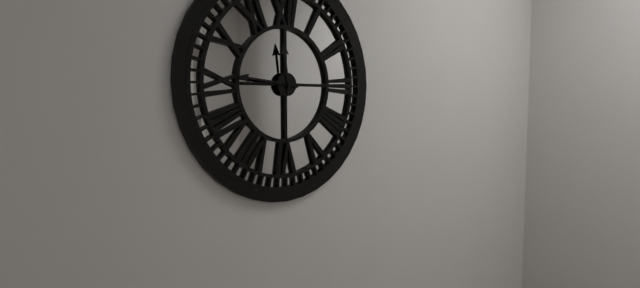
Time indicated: **11:46**
